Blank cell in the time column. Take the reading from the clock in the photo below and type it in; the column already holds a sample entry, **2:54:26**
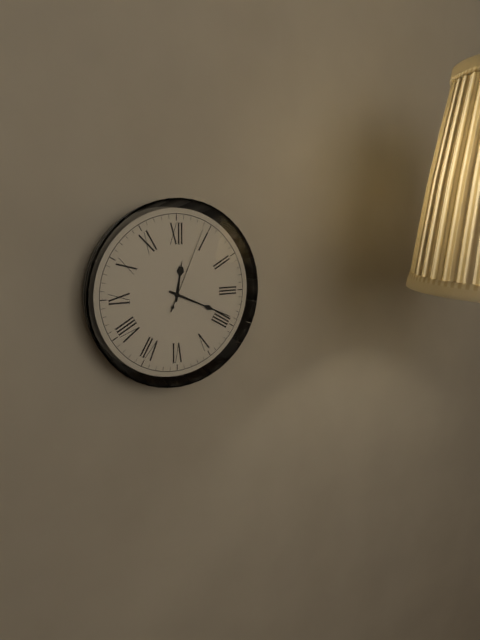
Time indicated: **12:19:04**
